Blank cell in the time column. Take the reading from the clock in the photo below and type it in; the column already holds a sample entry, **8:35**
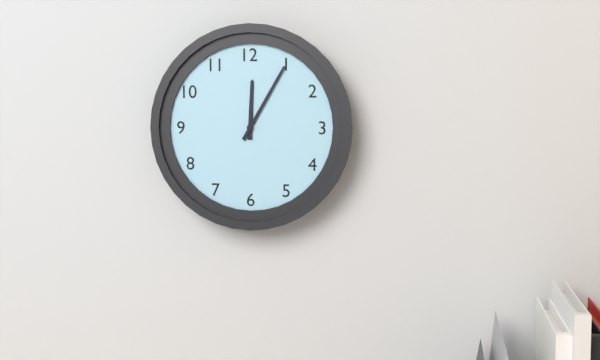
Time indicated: **12:05**
